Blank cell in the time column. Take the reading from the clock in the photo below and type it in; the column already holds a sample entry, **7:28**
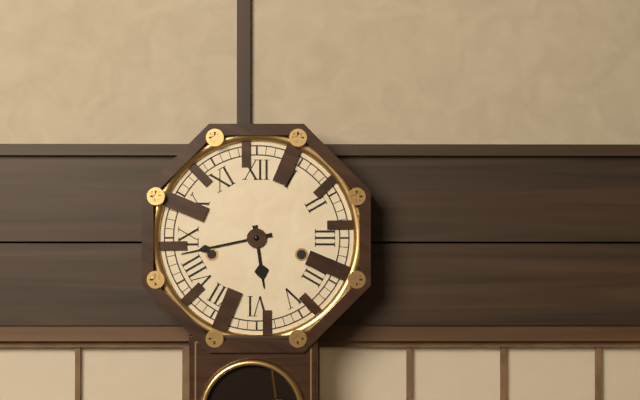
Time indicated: **5:43**
